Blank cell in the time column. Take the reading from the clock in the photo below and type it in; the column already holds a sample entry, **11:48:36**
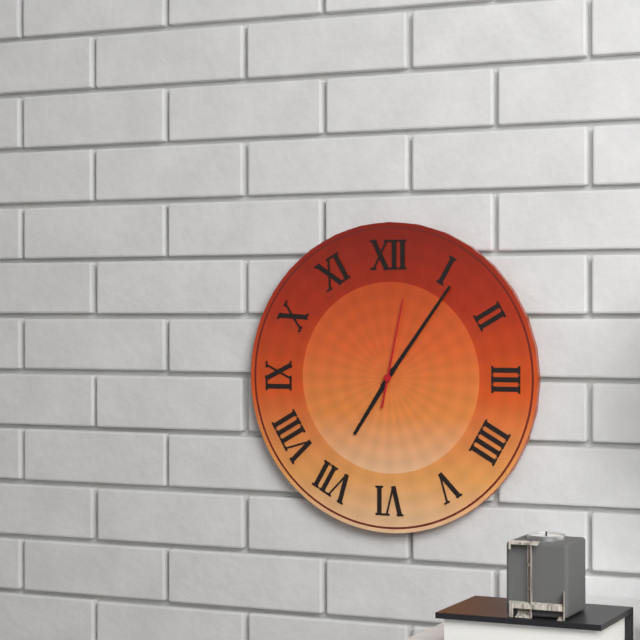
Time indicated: **7:06:02**
